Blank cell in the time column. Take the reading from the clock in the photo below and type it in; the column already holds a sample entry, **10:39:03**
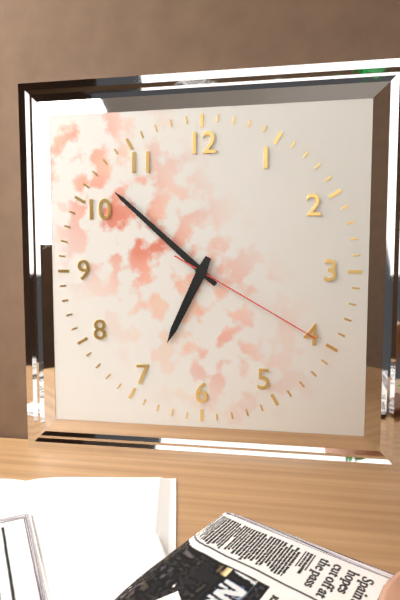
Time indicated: **6:52:20**
